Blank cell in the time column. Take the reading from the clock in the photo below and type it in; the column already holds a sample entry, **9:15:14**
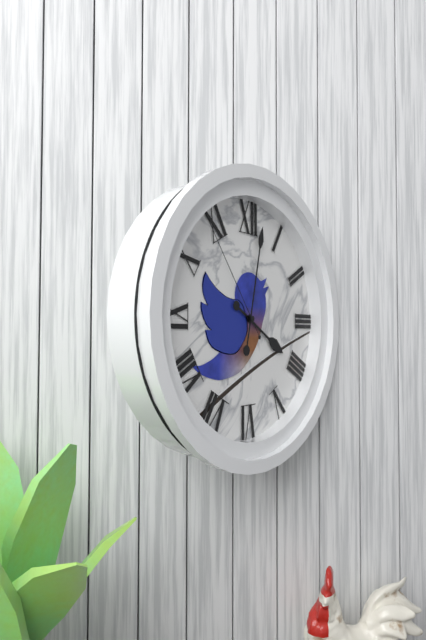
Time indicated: **4:02:54**
